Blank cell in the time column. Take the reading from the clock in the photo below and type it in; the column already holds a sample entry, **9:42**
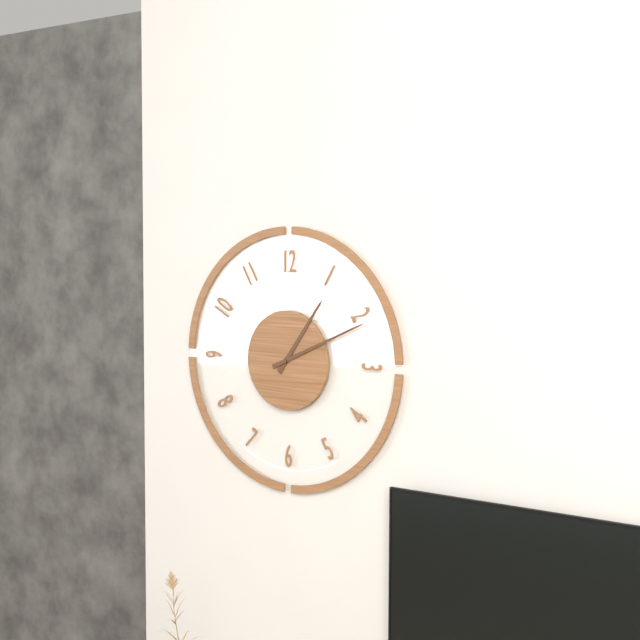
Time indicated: **1:11**
